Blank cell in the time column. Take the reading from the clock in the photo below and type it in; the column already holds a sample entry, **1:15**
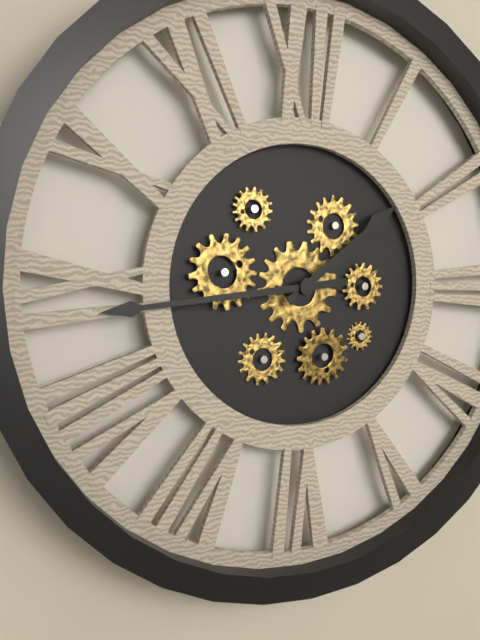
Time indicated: **1:44**
